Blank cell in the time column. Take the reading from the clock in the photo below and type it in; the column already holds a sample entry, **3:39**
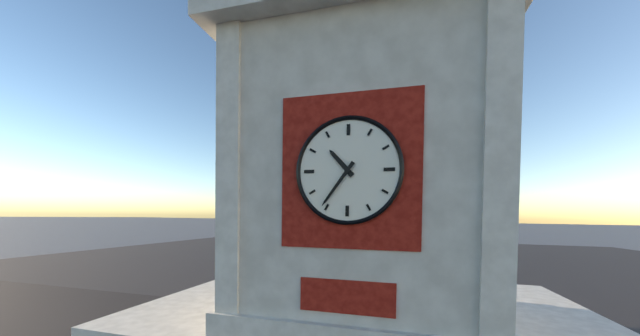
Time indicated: **10:36**
